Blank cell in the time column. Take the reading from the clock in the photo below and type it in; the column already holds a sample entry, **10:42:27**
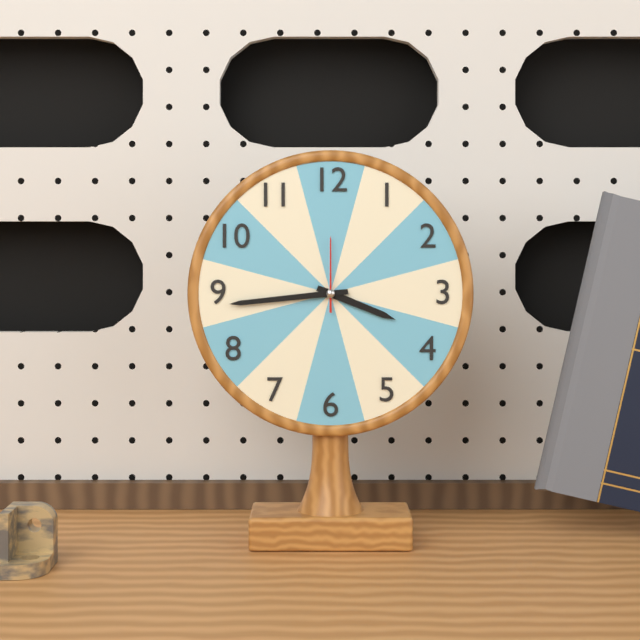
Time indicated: **3:44:00**
